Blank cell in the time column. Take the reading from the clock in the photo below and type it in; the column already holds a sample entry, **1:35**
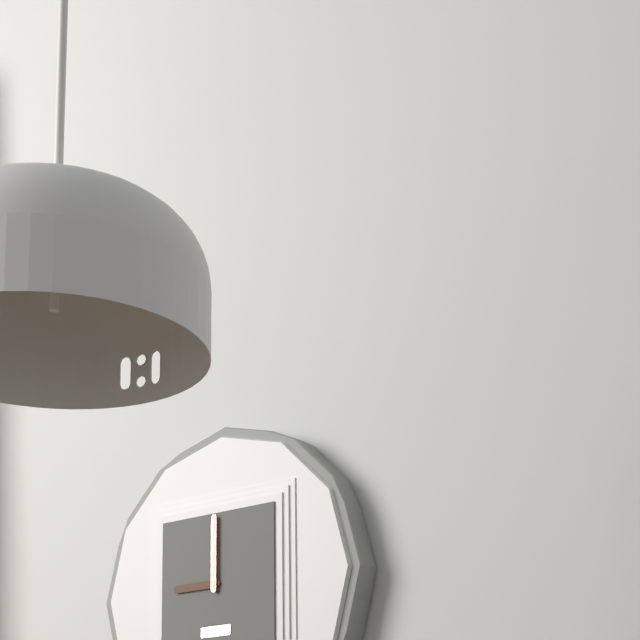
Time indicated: **9:00**
